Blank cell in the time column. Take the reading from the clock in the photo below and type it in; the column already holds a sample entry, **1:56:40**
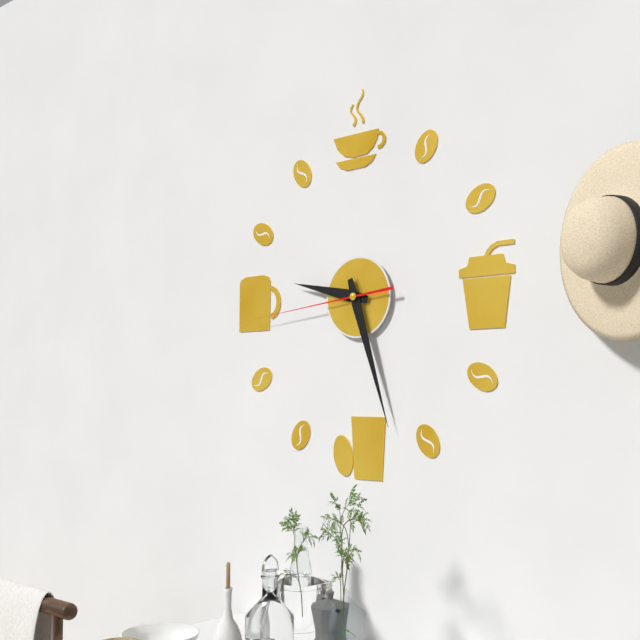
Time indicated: **9:27:44**
